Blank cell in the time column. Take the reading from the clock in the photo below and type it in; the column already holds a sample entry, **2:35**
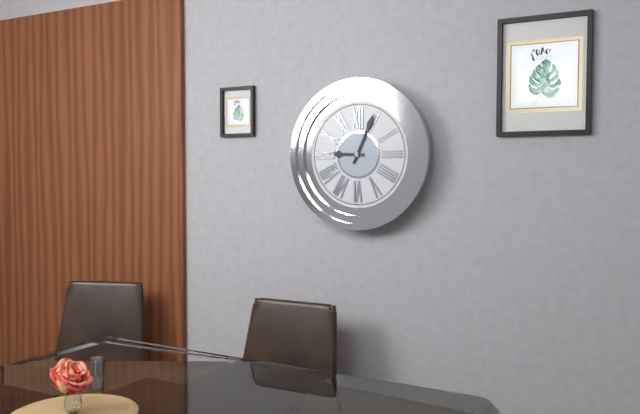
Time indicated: **9:04**
